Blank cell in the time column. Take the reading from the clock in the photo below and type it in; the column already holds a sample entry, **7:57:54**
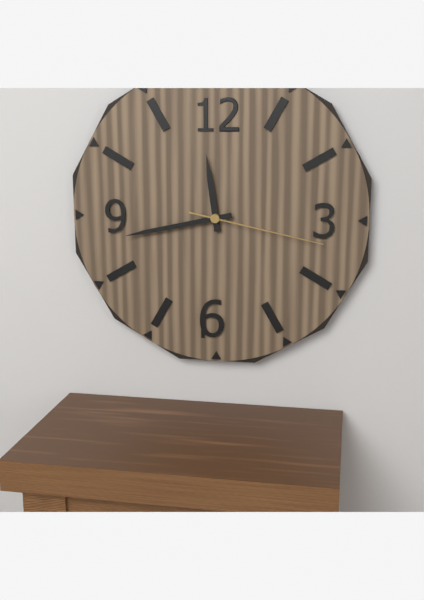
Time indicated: **11:43:17**
